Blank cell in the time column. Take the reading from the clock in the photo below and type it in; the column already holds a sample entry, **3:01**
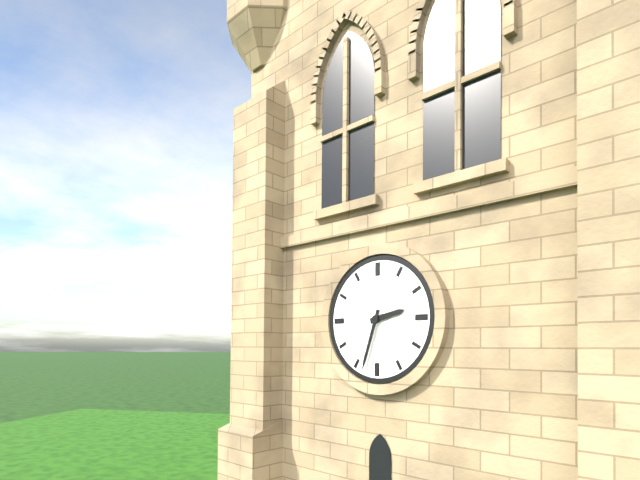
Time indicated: **2:33**
